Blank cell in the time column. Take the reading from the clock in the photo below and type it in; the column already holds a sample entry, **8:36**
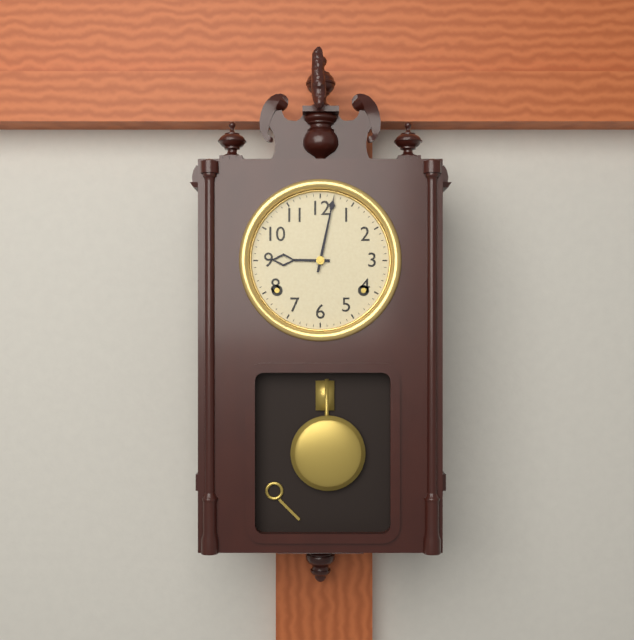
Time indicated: **9:02**
